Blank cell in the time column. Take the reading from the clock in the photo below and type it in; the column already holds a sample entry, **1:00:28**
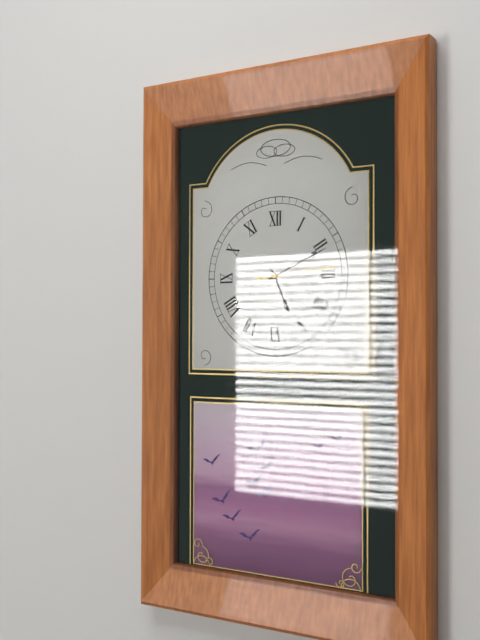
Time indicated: **5:11:14**
